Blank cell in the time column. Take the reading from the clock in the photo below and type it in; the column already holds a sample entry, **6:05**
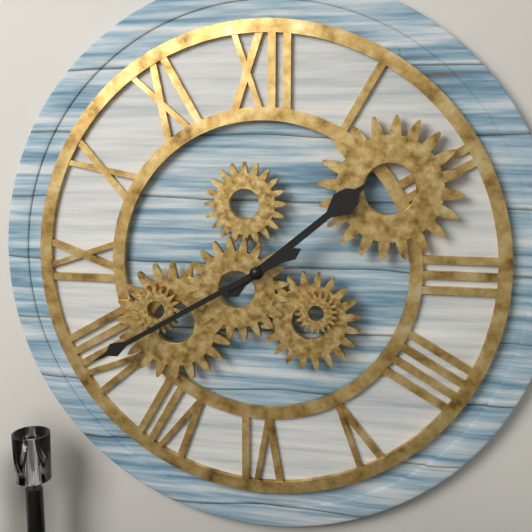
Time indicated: **1:40**
